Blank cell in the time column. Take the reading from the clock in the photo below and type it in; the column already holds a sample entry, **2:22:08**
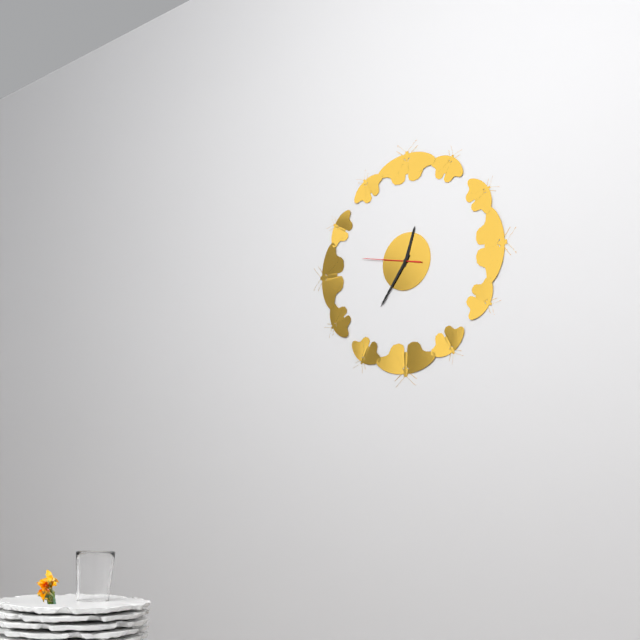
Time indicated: **12:36:47**
